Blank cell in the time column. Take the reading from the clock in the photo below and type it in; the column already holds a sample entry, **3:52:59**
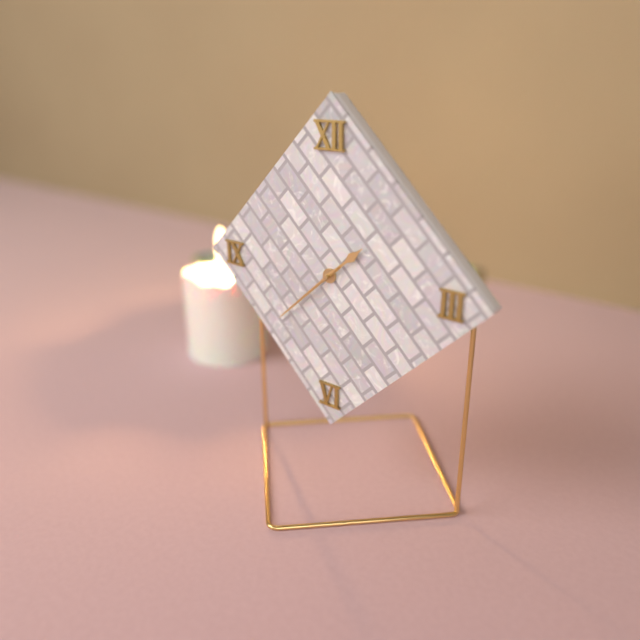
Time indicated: **1:38:38**
